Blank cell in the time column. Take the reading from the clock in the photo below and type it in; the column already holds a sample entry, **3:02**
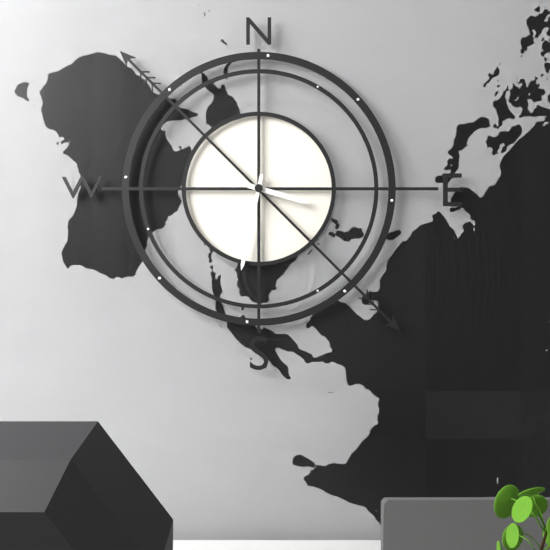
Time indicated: **3:32**
